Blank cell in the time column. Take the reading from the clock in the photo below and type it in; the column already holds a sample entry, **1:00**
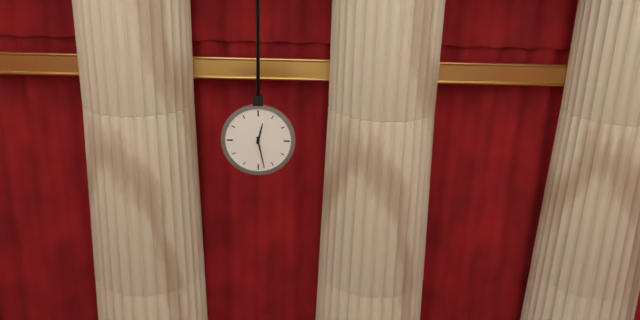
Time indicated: **12:28**
